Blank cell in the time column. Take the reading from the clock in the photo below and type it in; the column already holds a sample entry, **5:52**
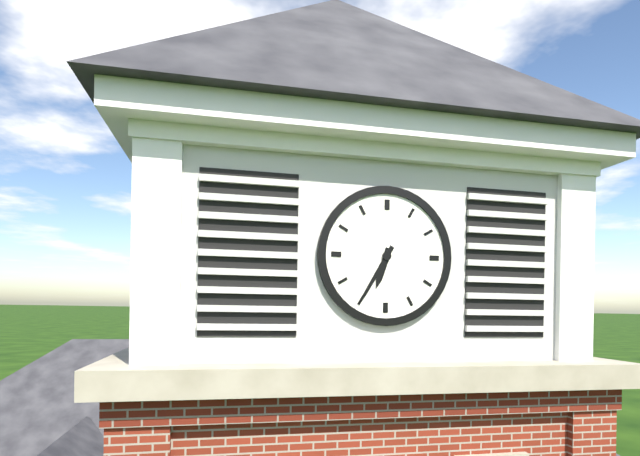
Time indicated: **6:35**
